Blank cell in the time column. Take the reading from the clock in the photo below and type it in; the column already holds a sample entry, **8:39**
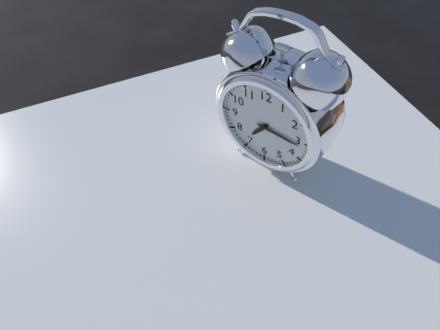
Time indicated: **7:16**
